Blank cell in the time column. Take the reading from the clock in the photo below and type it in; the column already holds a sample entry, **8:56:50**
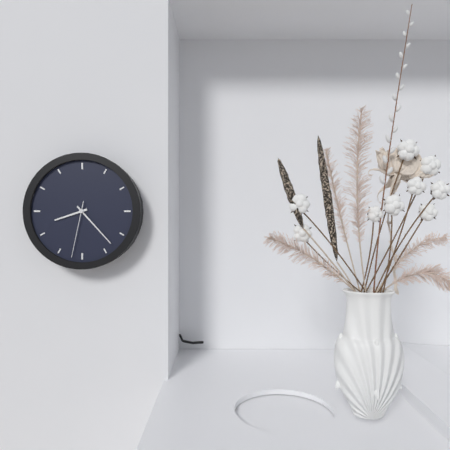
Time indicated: **8:23:32**
